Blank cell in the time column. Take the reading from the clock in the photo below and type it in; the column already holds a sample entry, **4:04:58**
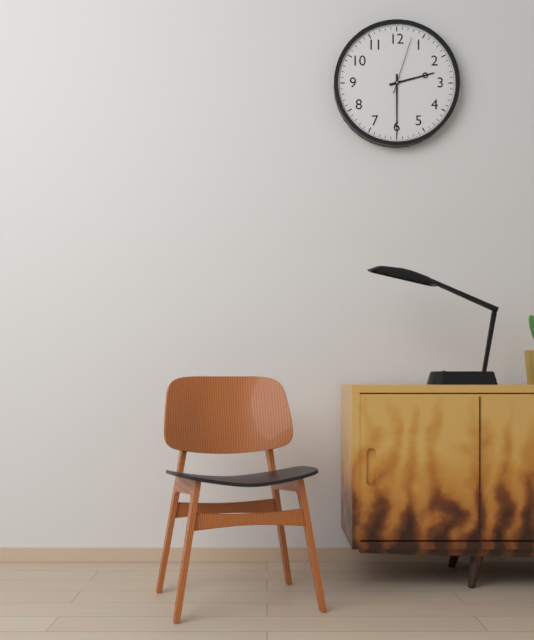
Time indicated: **2:30:03**
